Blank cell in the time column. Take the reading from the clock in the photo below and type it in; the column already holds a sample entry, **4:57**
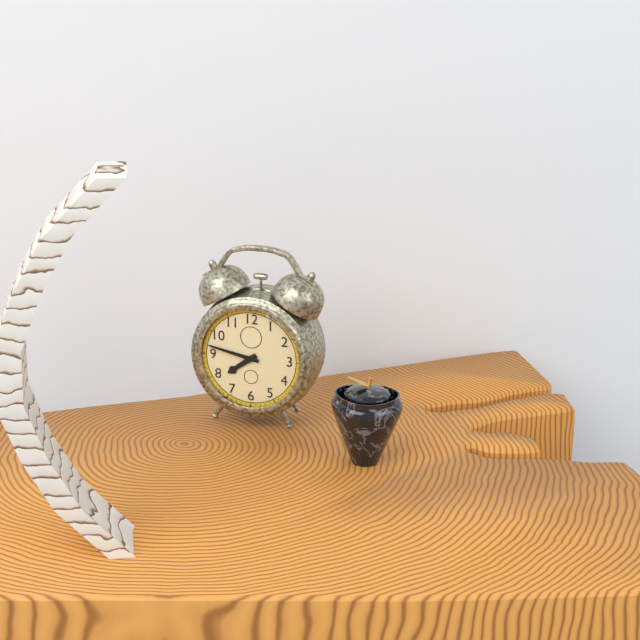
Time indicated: **7:47**
